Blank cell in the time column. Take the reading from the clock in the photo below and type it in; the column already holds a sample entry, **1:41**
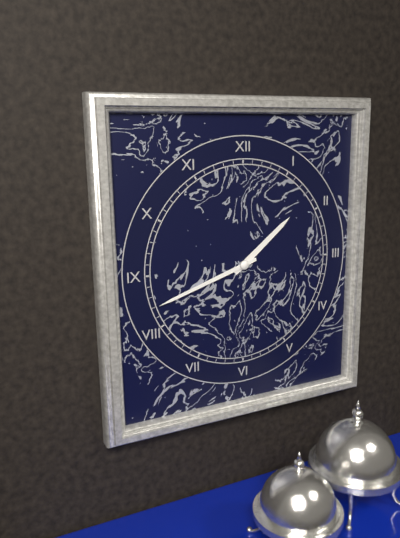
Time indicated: **1:42**
